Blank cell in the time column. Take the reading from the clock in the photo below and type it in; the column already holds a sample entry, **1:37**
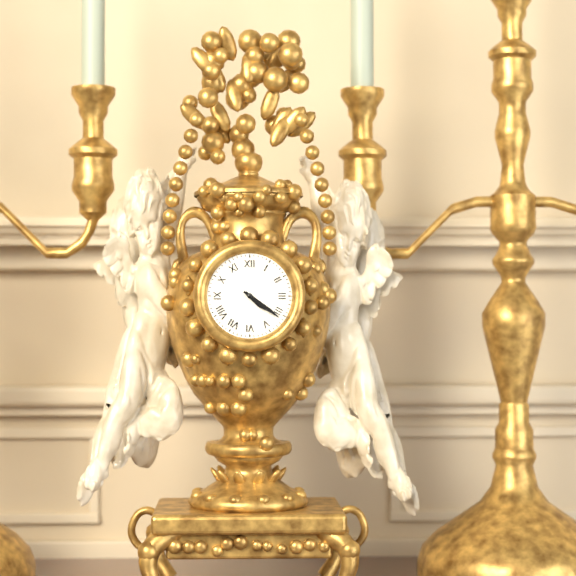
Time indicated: **4:21**
